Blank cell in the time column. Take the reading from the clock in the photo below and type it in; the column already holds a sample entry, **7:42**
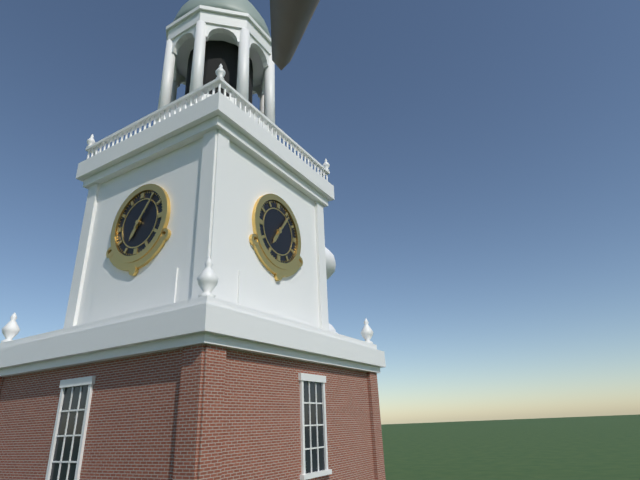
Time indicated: **7:06**
